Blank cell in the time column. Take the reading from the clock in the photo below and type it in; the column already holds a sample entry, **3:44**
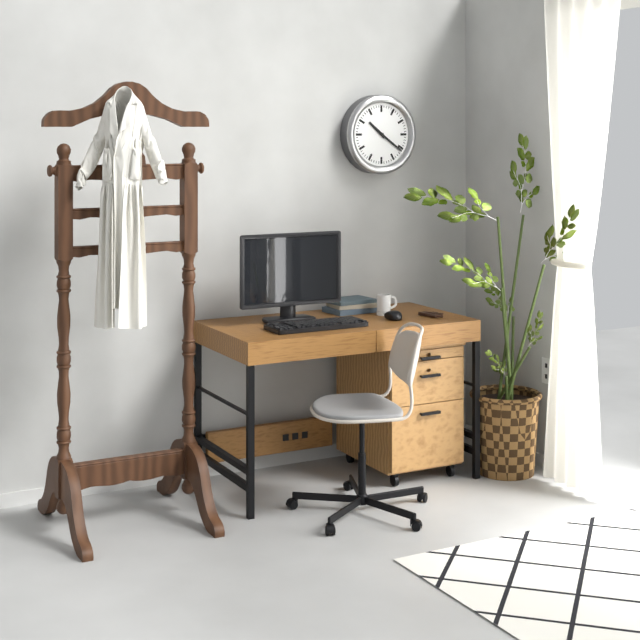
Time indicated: **10:21**
